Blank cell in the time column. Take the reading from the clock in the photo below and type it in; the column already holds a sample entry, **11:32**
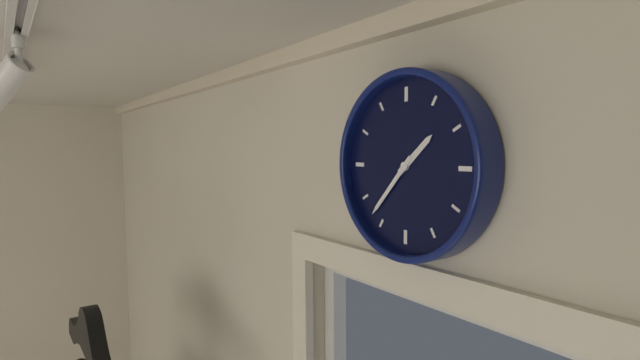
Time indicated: **1:37**
